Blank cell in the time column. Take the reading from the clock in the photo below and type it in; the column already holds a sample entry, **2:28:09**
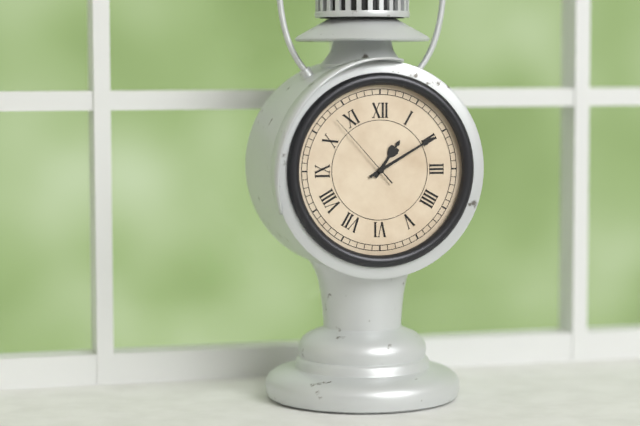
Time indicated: **1:10:53**
